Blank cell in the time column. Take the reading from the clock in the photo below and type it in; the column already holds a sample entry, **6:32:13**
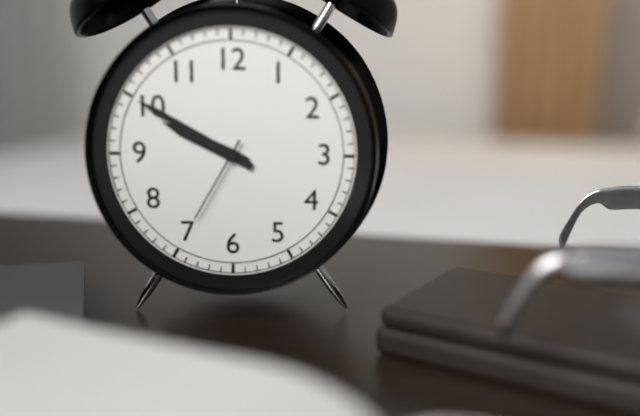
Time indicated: **9:50:35**
